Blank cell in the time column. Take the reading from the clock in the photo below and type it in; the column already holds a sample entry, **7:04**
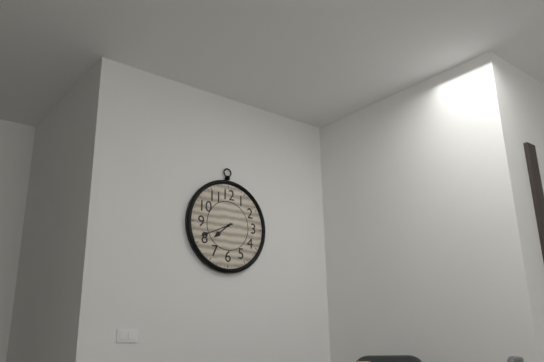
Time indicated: **7:41**
